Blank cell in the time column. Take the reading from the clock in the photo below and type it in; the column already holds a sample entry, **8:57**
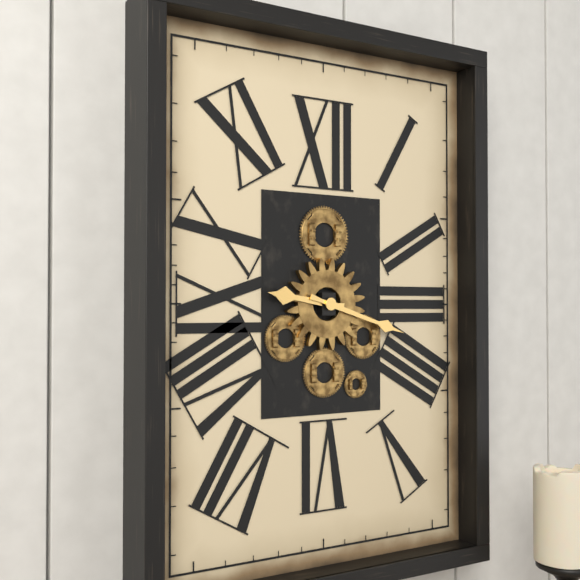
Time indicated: **9:18**
